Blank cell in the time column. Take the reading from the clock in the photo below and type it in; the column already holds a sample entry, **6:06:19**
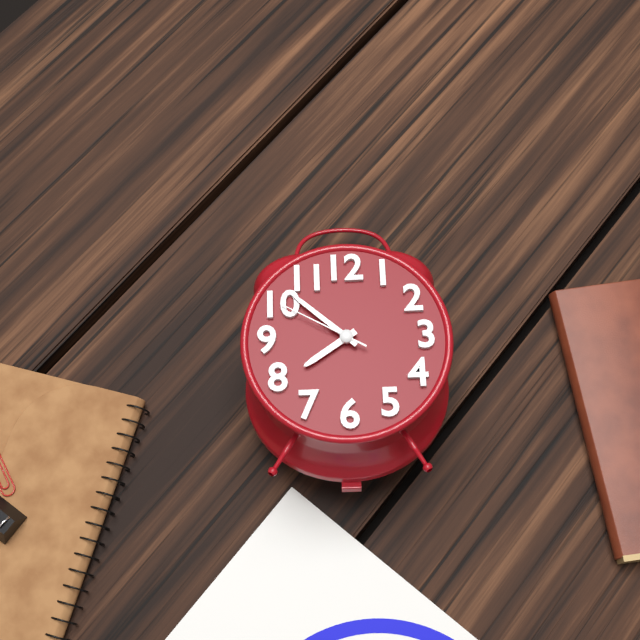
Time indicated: **7:52:50**
